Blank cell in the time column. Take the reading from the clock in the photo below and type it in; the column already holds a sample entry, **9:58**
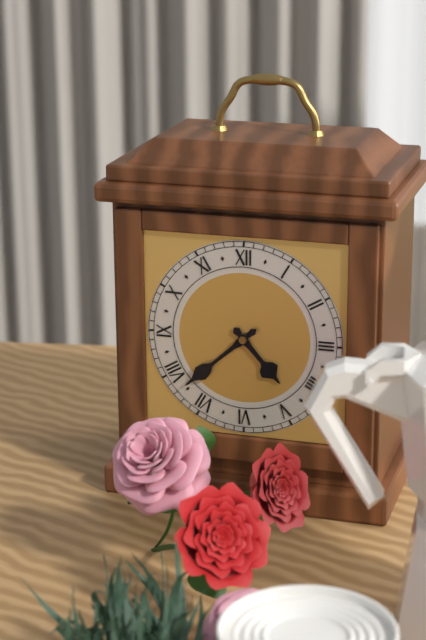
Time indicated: **4:38**
